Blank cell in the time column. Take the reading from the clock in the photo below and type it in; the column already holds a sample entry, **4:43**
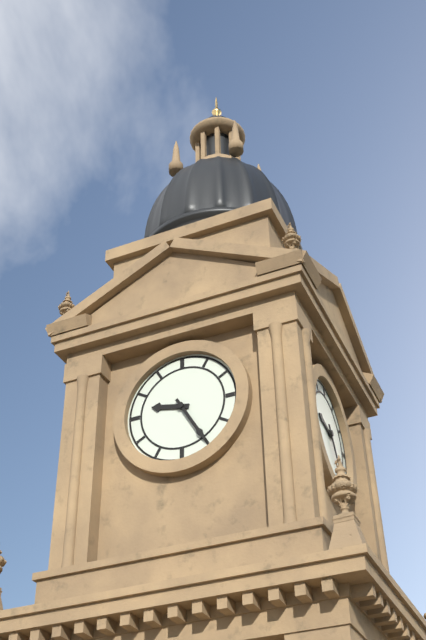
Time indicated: **9:25**
